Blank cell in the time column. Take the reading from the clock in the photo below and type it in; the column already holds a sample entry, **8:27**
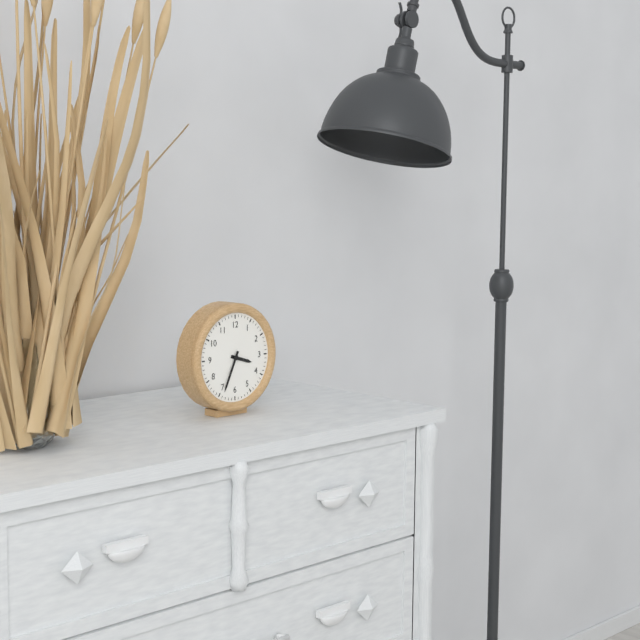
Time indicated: **3:34**
